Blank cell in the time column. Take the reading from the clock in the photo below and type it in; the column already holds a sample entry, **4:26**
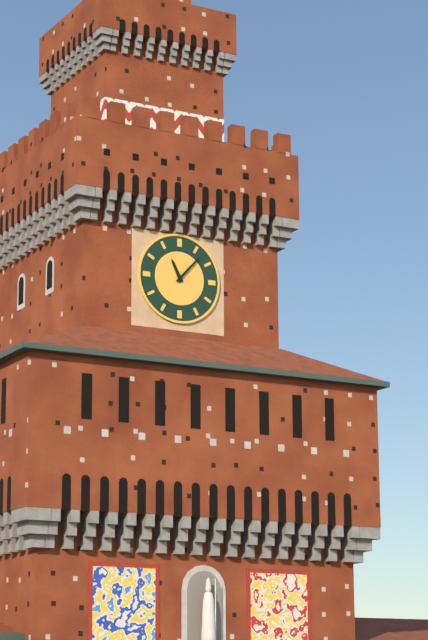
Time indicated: **11:07**
